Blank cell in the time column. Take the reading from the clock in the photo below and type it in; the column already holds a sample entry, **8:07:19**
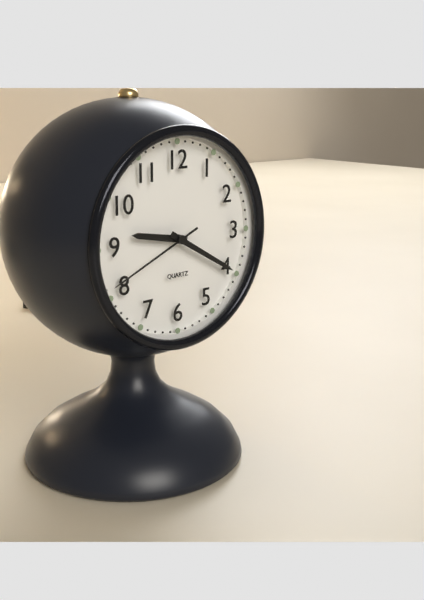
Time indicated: **9:20:41**
